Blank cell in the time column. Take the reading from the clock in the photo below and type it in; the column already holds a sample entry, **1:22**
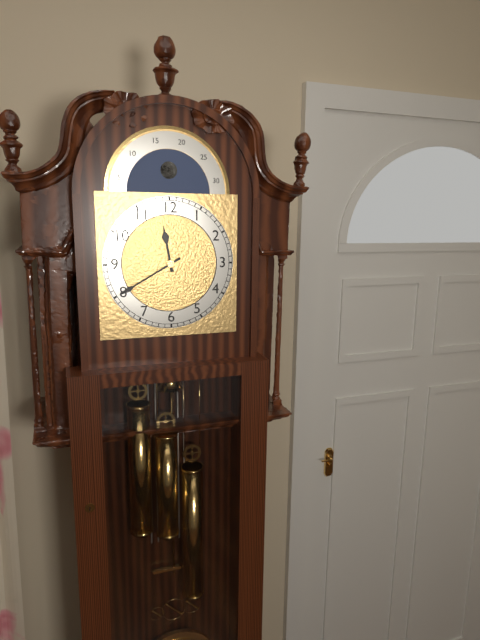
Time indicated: **11:40**
